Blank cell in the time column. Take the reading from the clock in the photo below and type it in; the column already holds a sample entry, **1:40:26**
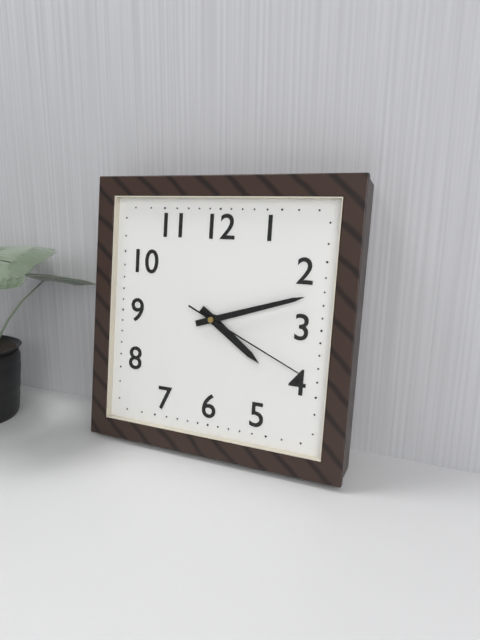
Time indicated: **4:12:19**
